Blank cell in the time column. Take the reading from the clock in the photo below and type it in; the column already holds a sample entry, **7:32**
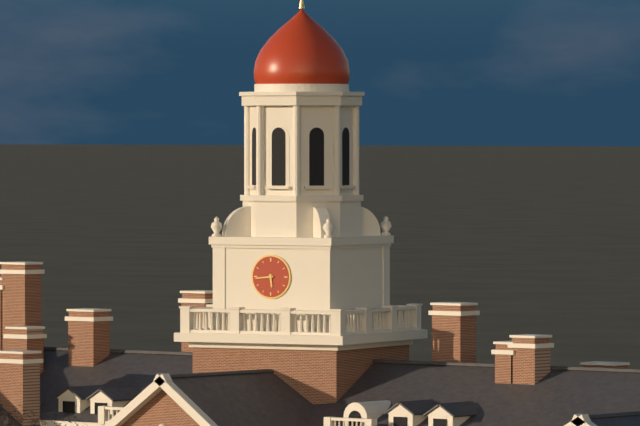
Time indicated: **5:44**
